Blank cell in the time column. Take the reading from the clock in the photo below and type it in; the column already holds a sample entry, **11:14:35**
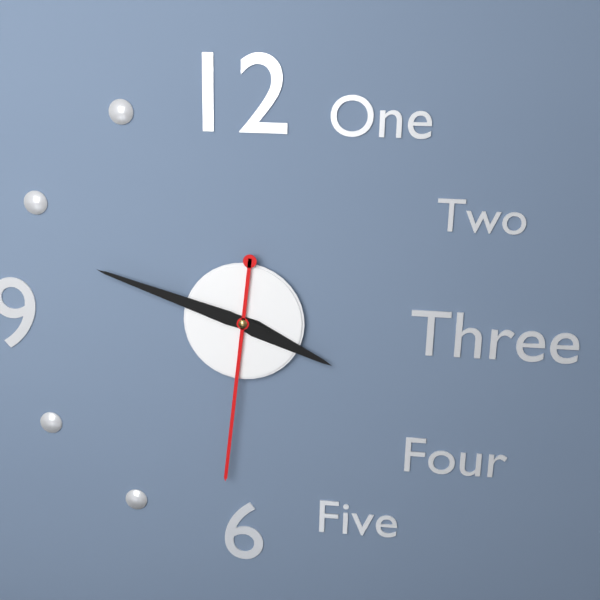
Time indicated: **3:48:31**
